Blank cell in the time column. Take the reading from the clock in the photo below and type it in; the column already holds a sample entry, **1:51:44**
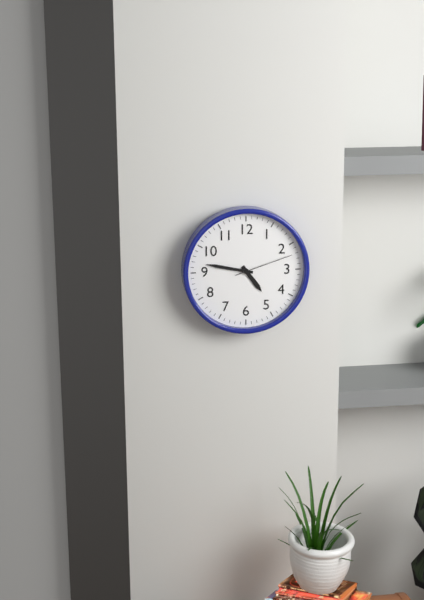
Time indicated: **4:47:12**
